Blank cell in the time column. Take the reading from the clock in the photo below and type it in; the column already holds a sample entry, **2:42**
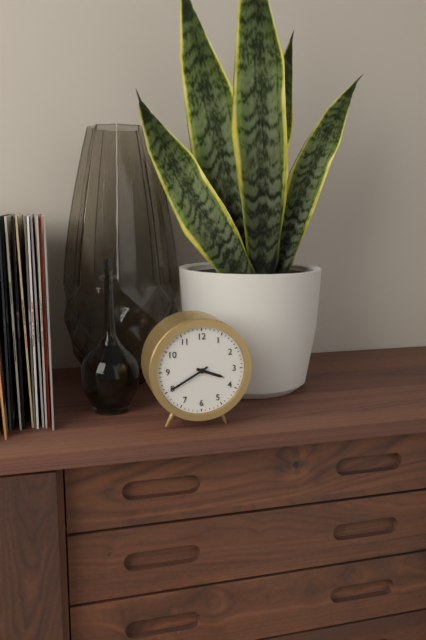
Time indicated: **3:40**
